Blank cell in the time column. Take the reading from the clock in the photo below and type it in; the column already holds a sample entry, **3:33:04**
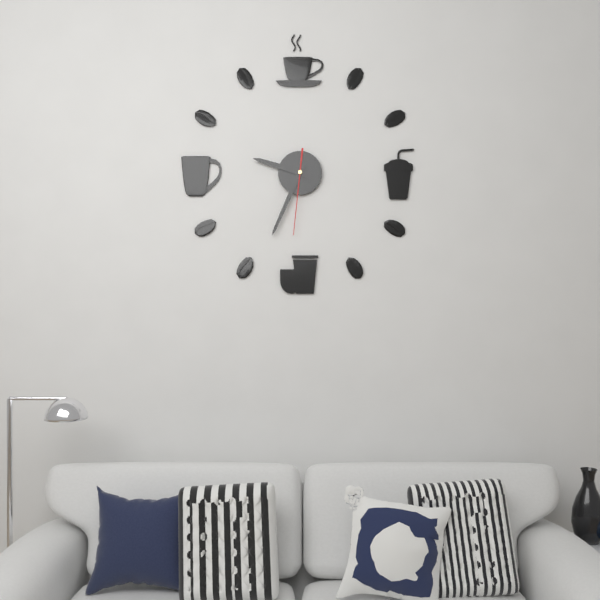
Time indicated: **9:34:31**
